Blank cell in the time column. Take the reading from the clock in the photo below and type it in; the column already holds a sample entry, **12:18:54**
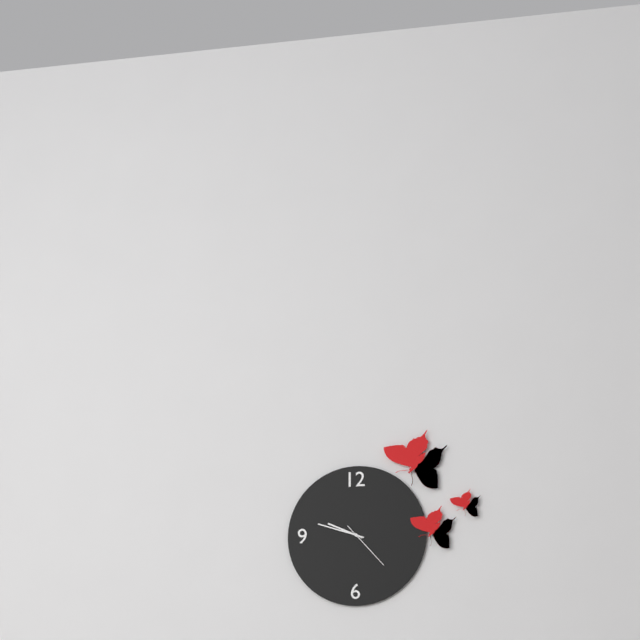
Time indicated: **9:48:23**
